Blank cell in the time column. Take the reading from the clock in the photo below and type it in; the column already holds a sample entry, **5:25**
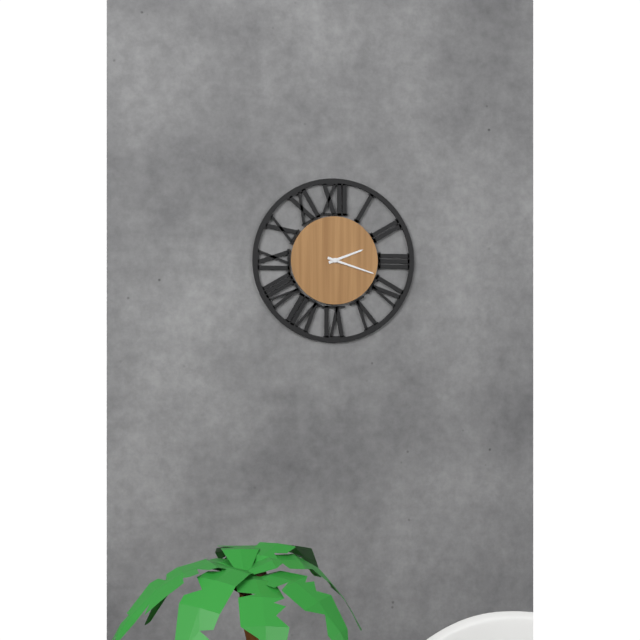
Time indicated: **2:18**
